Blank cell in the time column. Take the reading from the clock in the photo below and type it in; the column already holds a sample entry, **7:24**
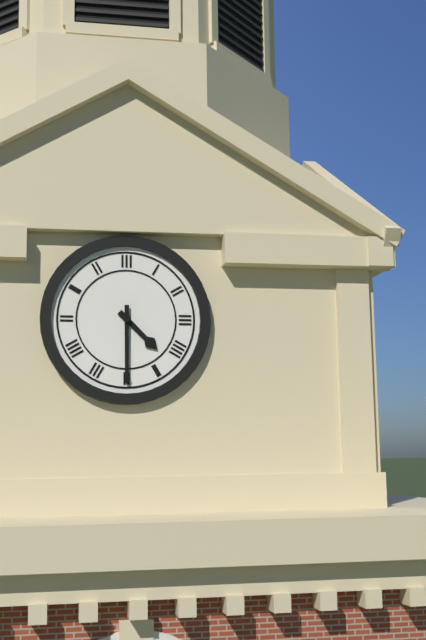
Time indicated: **4:30**
